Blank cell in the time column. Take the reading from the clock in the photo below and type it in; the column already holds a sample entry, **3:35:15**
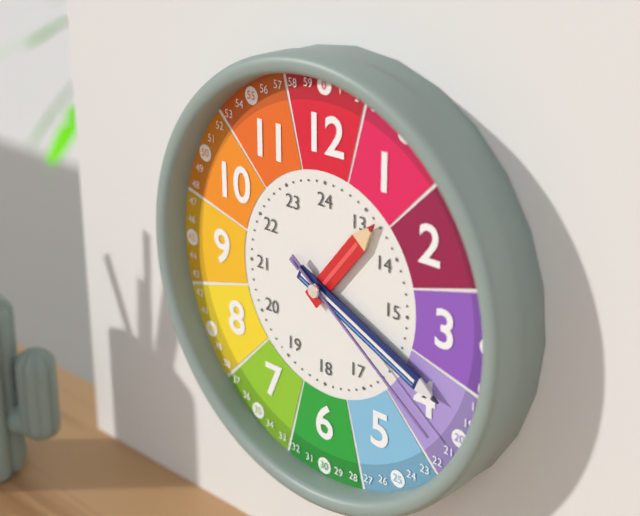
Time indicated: **1:19:21**
